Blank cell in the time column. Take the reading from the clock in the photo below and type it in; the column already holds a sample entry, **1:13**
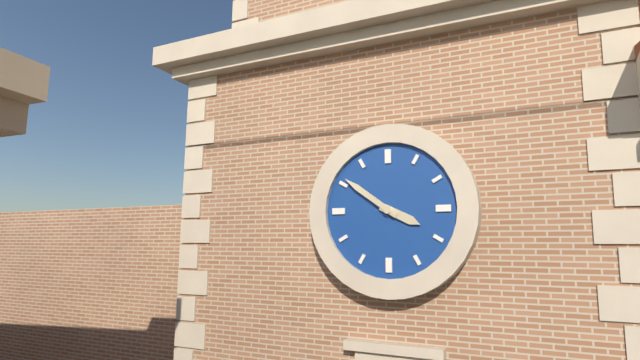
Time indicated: **3:51**
